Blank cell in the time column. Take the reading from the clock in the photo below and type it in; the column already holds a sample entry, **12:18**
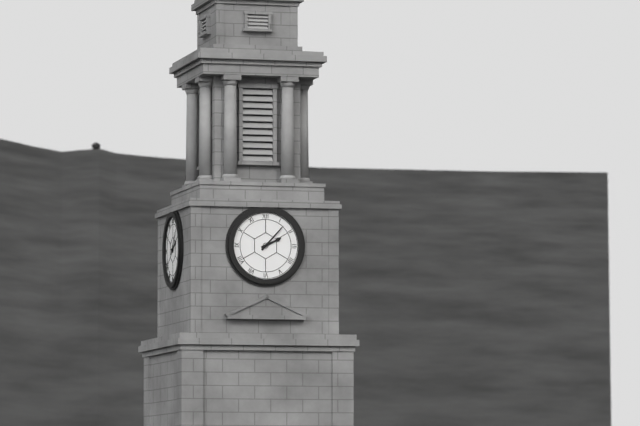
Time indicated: **2:07**
